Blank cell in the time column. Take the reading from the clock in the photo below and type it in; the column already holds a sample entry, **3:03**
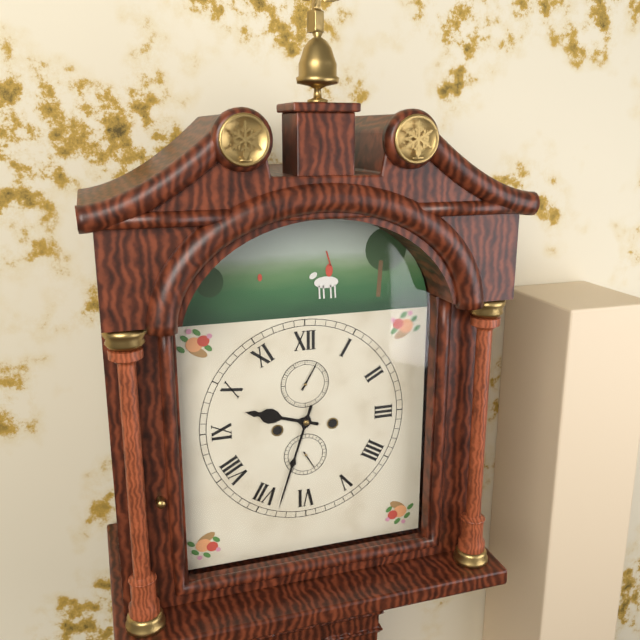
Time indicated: **9:33**
